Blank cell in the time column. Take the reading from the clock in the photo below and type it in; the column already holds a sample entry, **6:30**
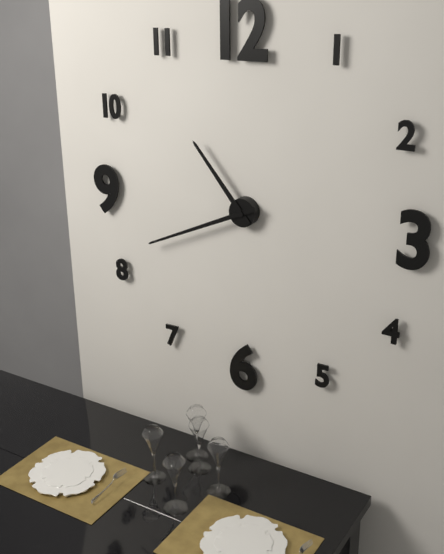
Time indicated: **10:41**
